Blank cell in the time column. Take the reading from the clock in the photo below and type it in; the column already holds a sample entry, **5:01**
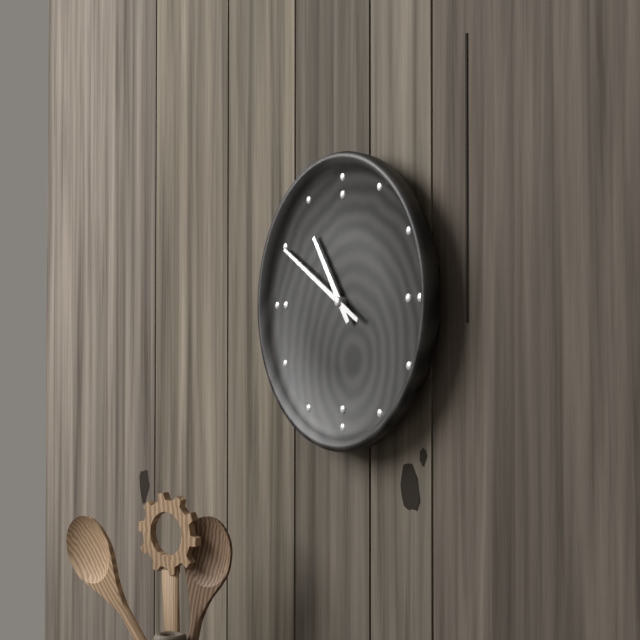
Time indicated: **10:50**
